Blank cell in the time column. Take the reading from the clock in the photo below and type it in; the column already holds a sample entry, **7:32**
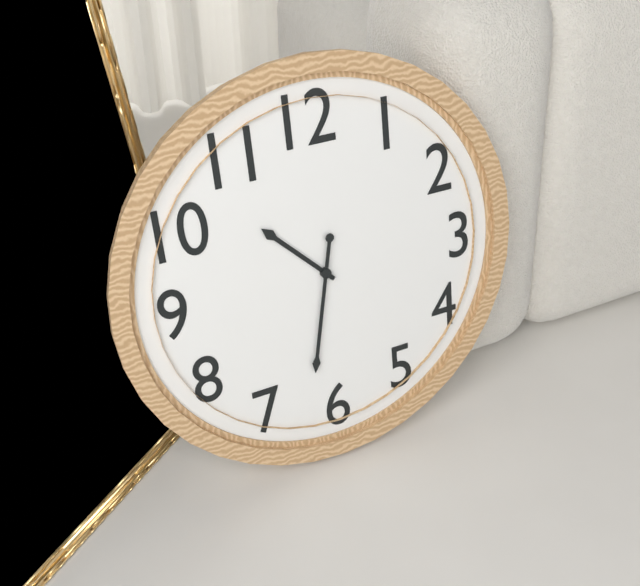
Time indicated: **10:32**
